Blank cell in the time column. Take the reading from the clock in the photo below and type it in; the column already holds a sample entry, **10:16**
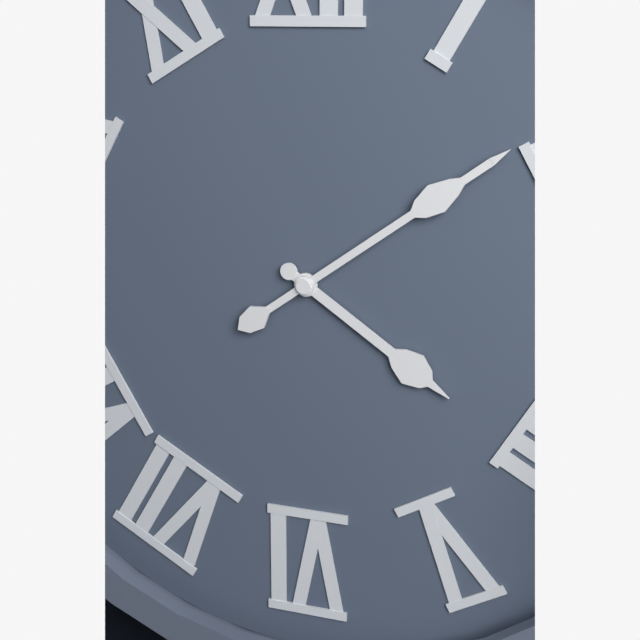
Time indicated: **4:09**
